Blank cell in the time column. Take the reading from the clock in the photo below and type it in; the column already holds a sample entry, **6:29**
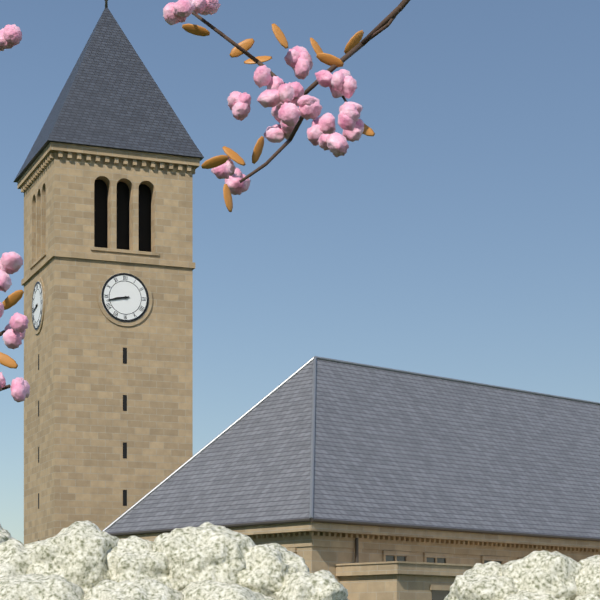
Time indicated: **8:43**
